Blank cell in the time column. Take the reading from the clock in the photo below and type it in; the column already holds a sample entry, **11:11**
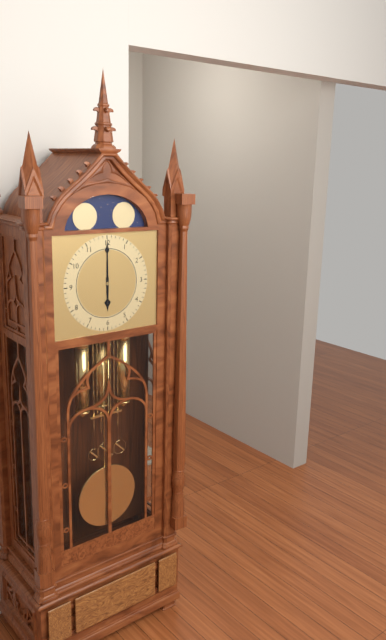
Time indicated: **6:00**
